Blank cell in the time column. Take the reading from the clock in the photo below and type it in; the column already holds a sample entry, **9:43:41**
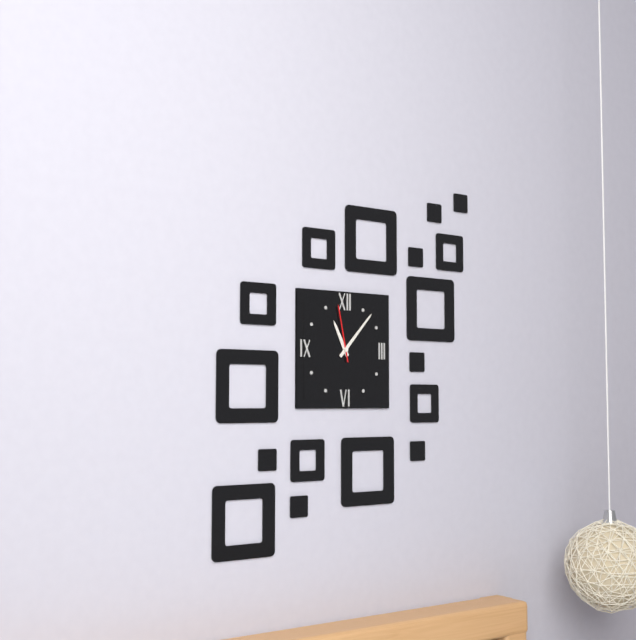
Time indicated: **11:07:58**
